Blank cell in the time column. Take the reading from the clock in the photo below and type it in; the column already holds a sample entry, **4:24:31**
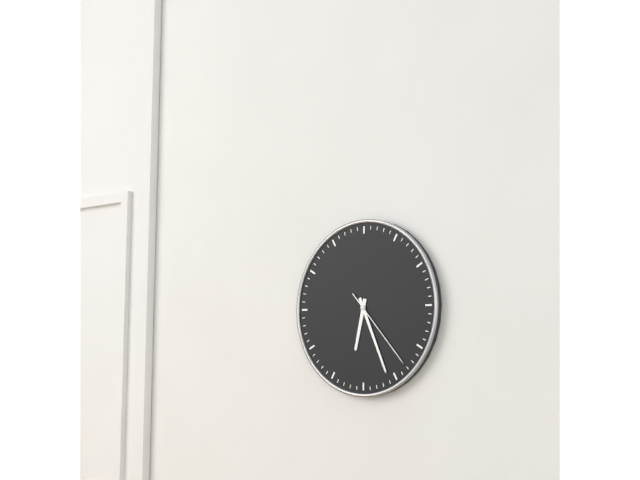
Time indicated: **6:26:23**
